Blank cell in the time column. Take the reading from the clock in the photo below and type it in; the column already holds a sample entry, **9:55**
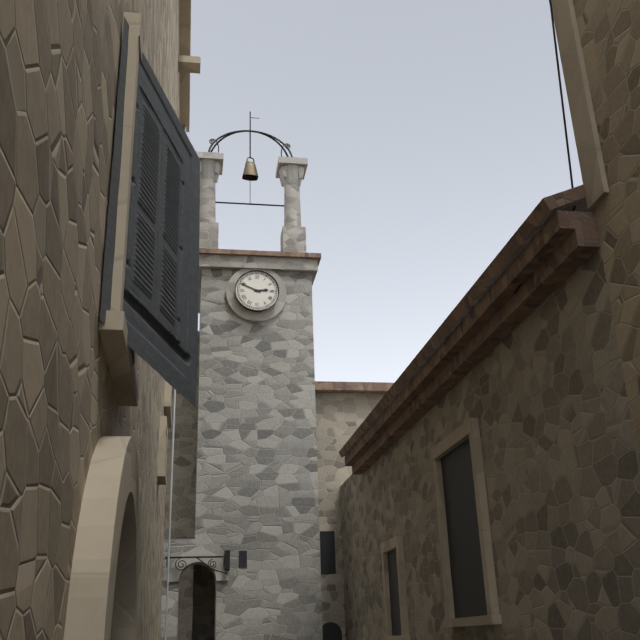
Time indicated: **2:49**
